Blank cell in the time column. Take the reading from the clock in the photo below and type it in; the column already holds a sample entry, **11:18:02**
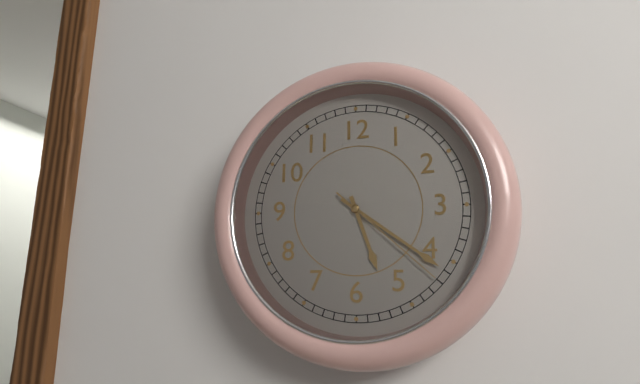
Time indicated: **5:21:22**
